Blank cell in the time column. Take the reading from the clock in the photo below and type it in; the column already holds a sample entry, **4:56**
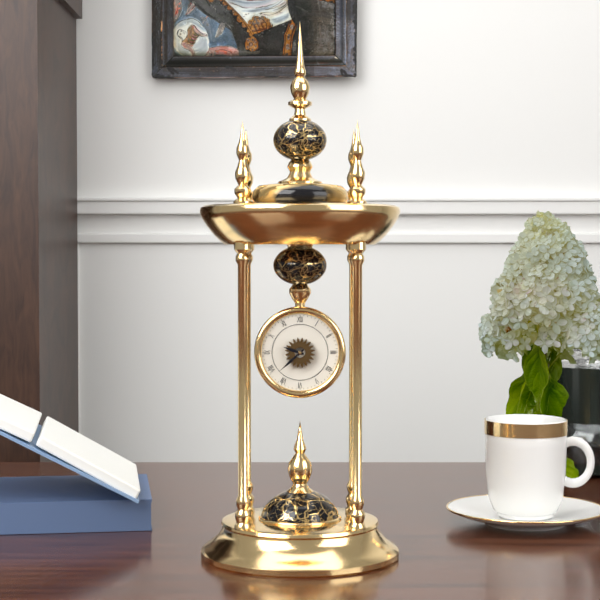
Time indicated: **9:38**
